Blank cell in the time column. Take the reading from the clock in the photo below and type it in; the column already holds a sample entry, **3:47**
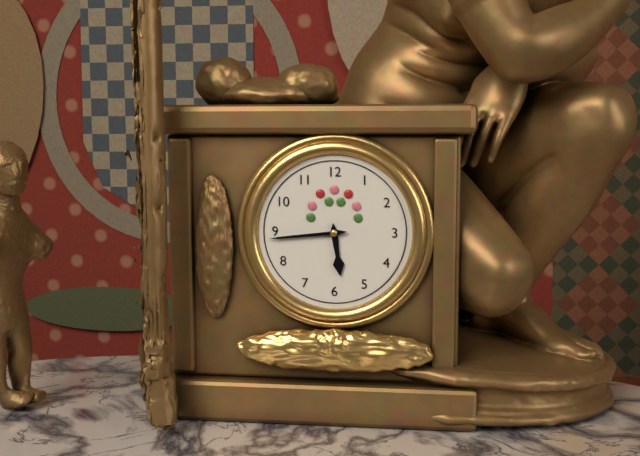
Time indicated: **5:44**
